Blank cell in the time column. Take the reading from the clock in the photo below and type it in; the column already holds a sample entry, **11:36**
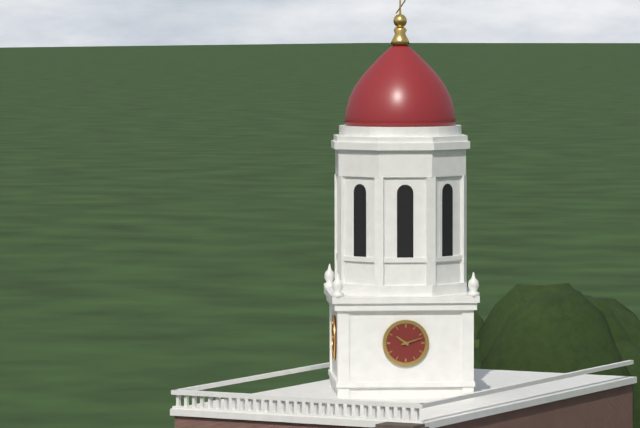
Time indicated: **10:12**
